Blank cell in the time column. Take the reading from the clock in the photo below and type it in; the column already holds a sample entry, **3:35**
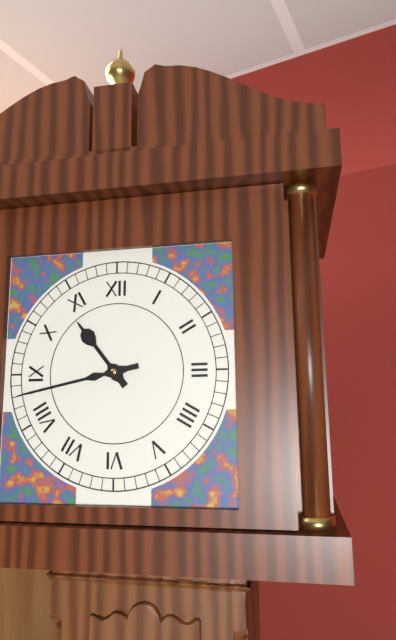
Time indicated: **10:43**
